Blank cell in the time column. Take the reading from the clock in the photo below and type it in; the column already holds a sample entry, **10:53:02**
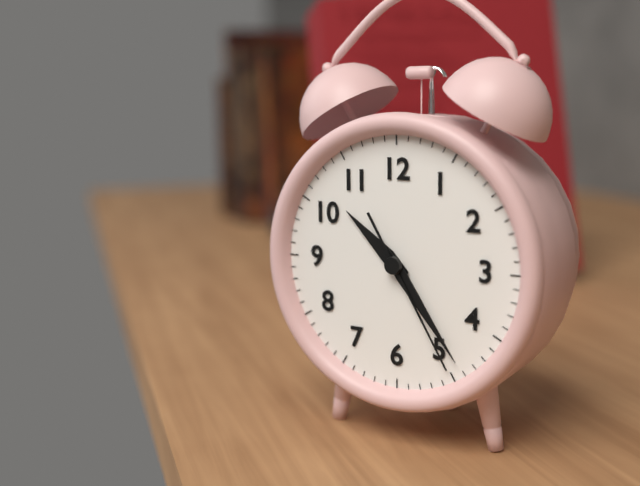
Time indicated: **10:24:25**
